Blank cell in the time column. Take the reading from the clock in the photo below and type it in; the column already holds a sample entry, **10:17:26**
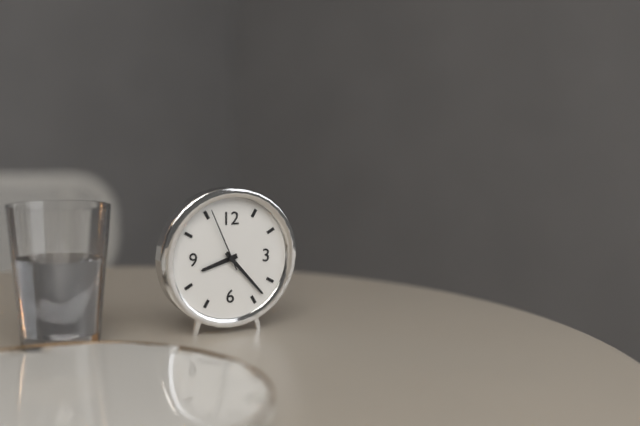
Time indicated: **8:23:56**
